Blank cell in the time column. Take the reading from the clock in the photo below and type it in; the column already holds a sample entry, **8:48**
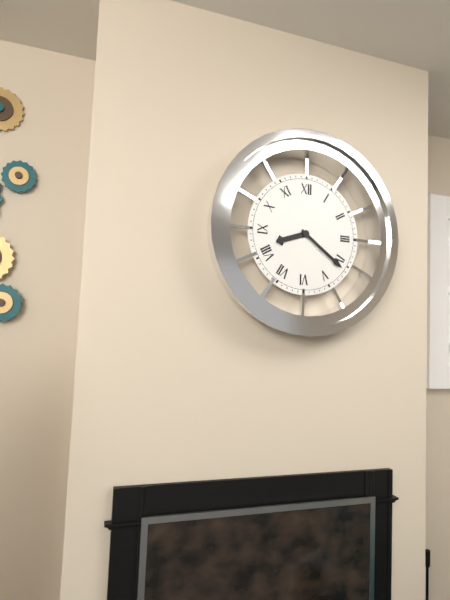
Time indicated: **8:21**
